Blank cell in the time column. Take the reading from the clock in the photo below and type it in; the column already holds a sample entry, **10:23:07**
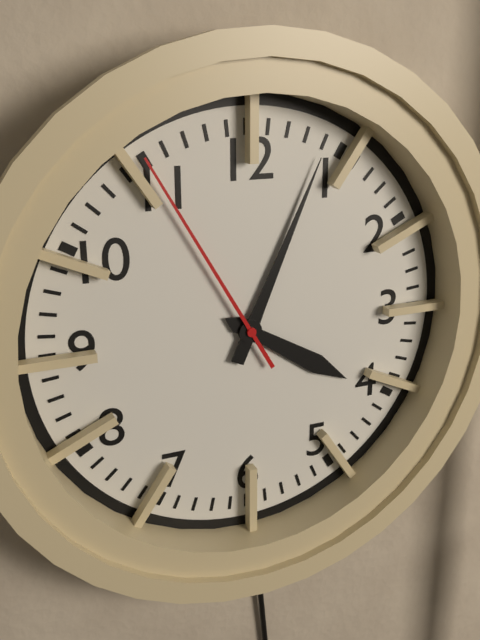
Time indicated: **4:04:55**
